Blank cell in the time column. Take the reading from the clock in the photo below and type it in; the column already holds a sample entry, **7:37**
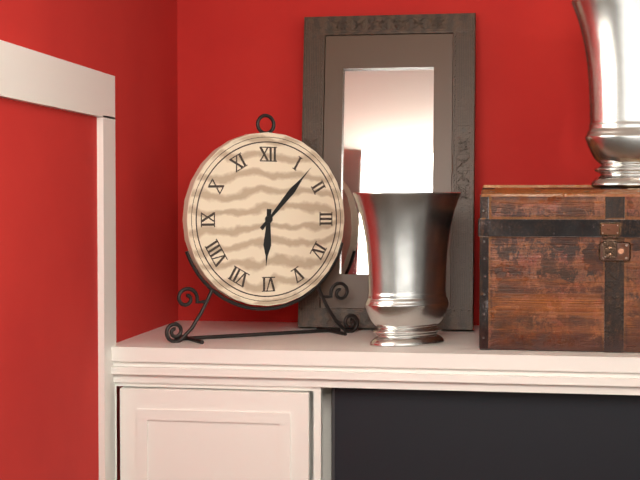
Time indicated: **6:07**
